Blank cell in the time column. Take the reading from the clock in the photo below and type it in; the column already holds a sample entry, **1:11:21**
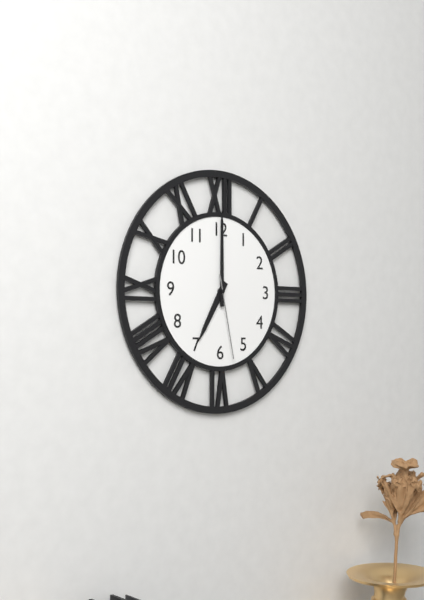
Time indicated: **7:00:28**
